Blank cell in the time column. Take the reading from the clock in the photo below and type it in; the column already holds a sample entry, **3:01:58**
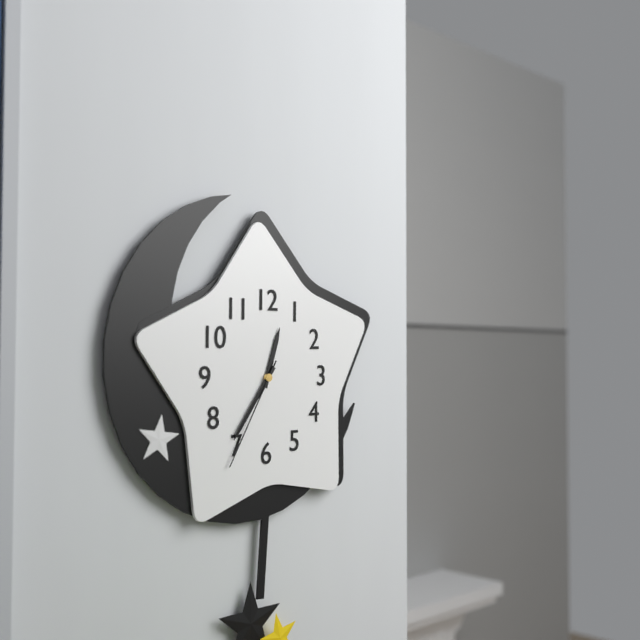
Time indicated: **12:36:35**
